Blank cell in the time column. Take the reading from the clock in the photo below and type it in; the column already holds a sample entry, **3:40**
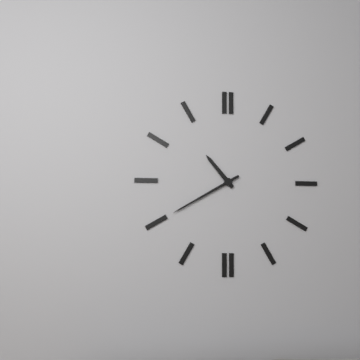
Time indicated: **10:40**
